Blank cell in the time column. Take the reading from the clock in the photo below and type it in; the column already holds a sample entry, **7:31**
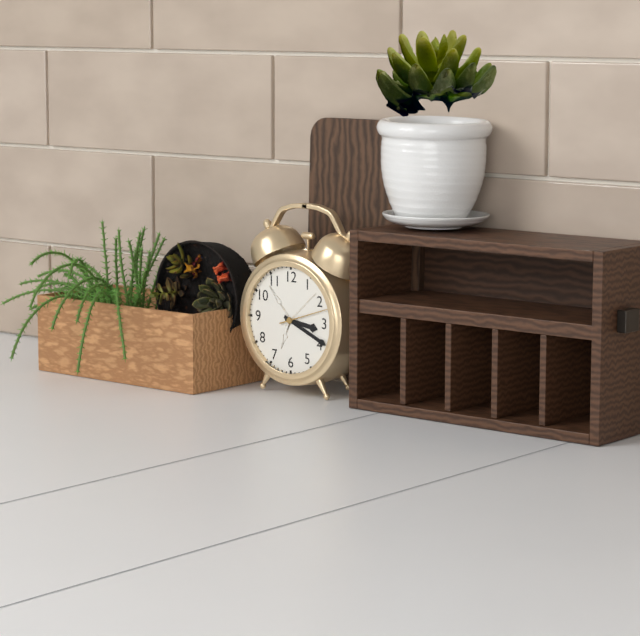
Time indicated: **3:19**
